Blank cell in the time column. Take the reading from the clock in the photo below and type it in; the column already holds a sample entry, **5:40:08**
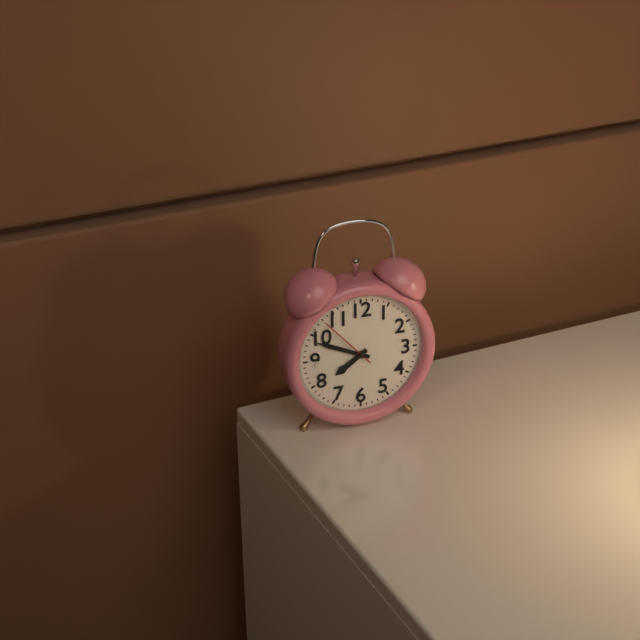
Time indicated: **7:49:53**
